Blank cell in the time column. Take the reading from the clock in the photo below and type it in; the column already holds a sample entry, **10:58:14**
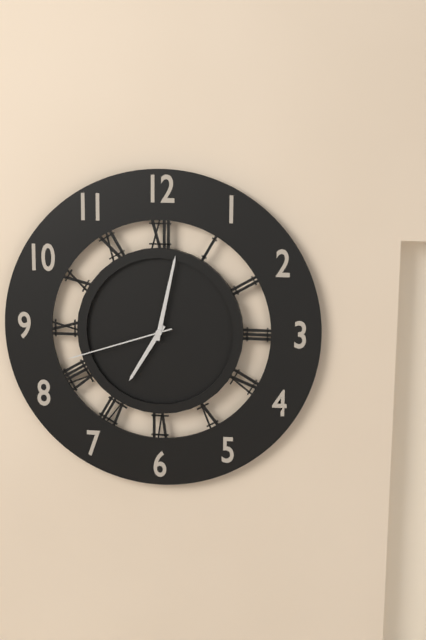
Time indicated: **7:02:42**
